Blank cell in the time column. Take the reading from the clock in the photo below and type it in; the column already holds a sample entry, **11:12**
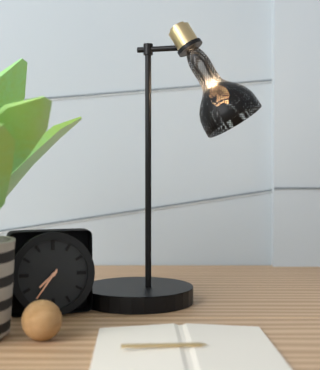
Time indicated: **7:36**
